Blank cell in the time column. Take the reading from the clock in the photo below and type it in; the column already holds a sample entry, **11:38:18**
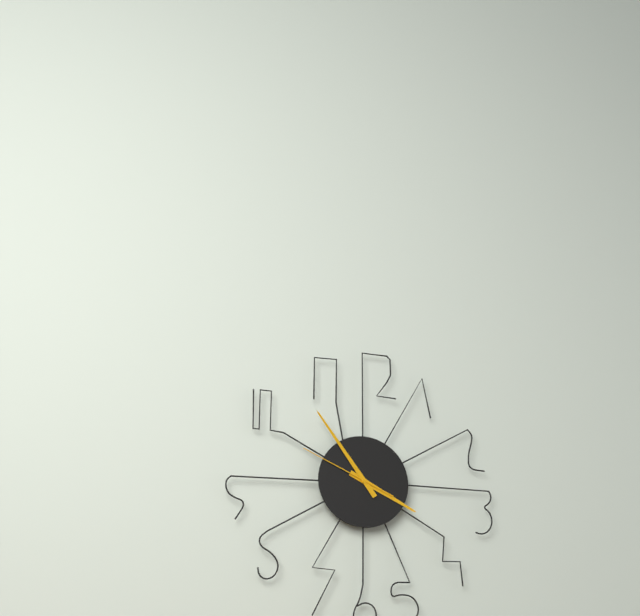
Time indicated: **3:54:49**
